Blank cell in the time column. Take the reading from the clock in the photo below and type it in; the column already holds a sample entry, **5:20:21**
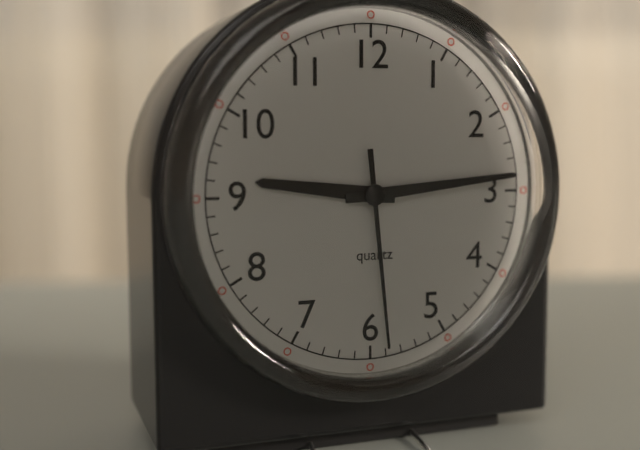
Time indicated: **9:14:29**
